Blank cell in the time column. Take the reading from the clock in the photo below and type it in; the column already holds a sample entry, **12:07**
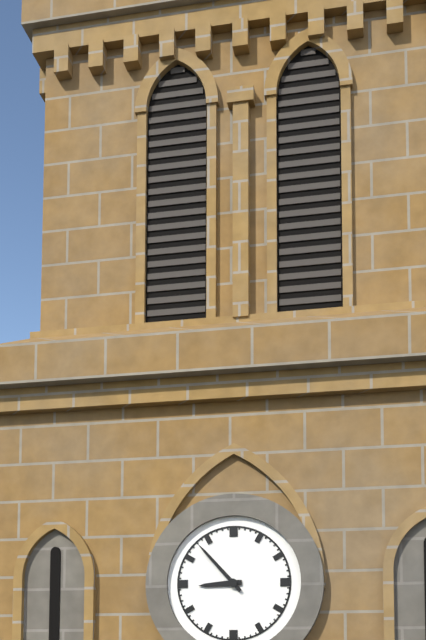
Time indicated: **8:53**
